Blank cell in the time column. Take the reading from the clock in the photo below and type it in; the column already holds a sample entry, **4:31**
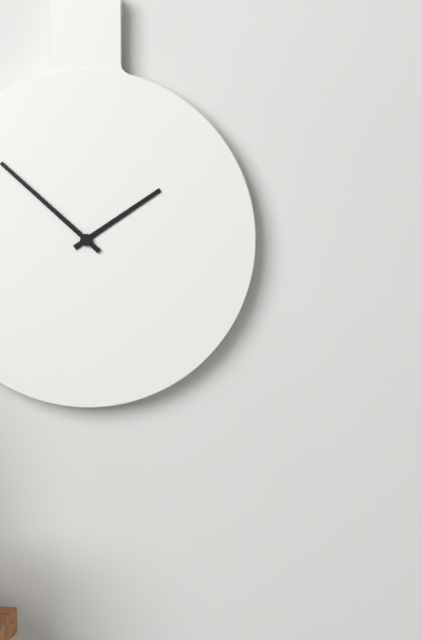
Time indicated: **1:52**
